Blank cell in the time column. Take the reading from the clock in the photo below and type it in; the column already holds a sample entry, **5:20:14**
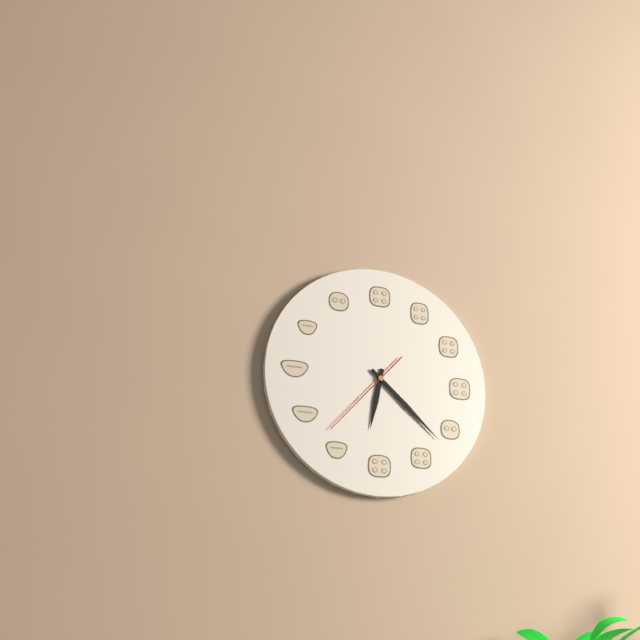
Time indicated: **6:22:37**
